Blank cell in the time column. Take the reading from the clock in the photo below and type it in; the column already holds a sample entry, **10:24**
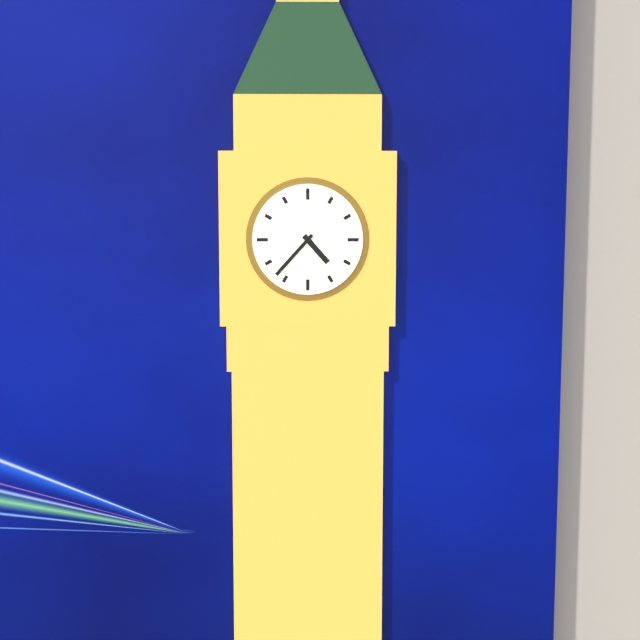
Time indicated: **4:37**
